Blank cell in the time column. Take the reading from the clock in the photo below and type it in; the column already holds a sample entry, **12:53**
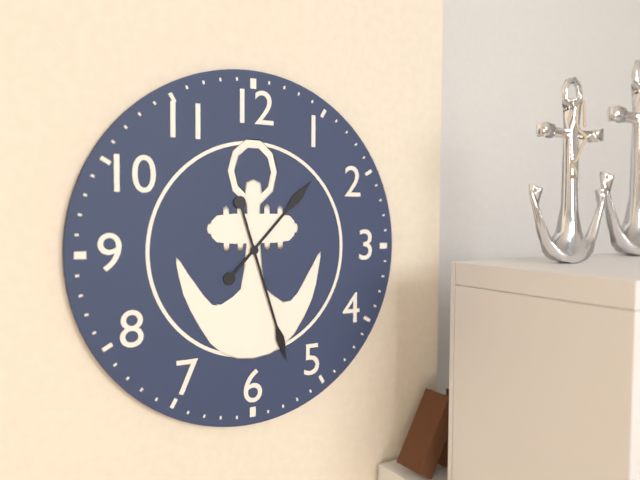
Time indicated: **1:27**
